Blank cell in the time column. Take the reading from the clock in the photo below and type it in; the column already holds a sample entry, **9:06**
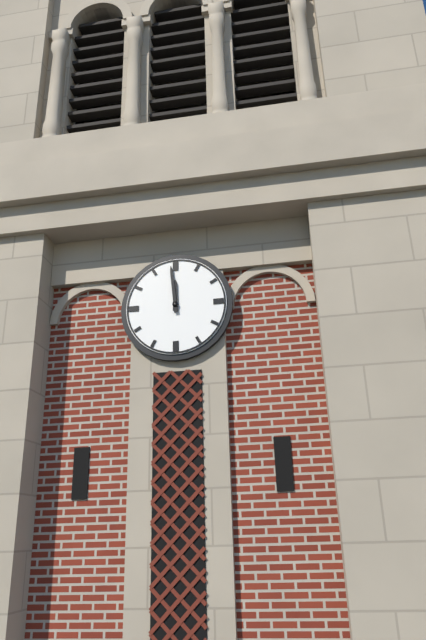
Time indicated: **11:59**
